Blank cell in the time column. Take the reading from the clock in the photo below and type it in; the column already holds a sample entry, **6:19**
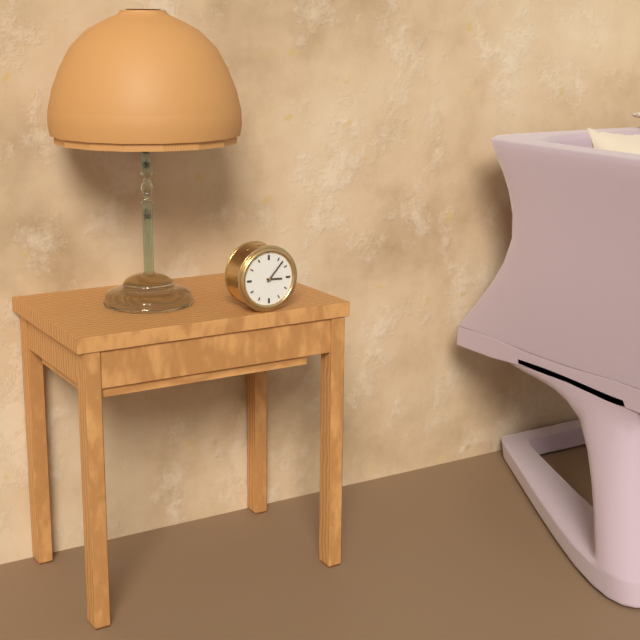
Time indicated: **3:07**
